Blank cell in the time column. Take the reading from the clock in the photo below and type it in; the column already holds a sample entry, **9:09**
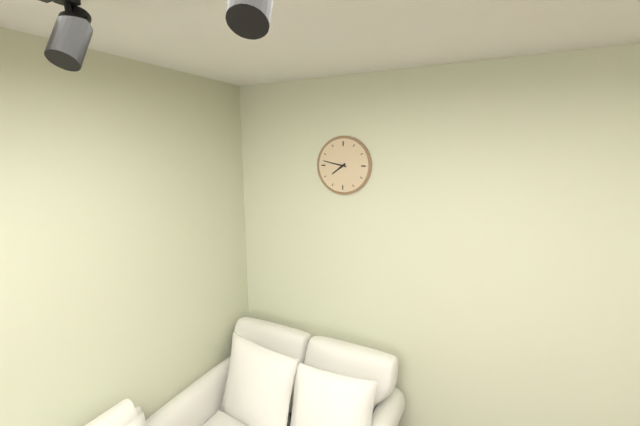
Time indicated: **7:47**
